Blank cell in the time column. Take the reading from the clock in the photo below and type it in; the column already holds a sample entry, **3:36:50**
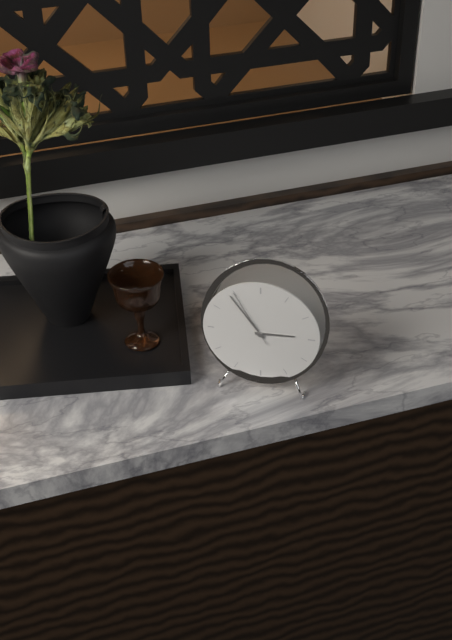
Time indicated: **2:54:55**
